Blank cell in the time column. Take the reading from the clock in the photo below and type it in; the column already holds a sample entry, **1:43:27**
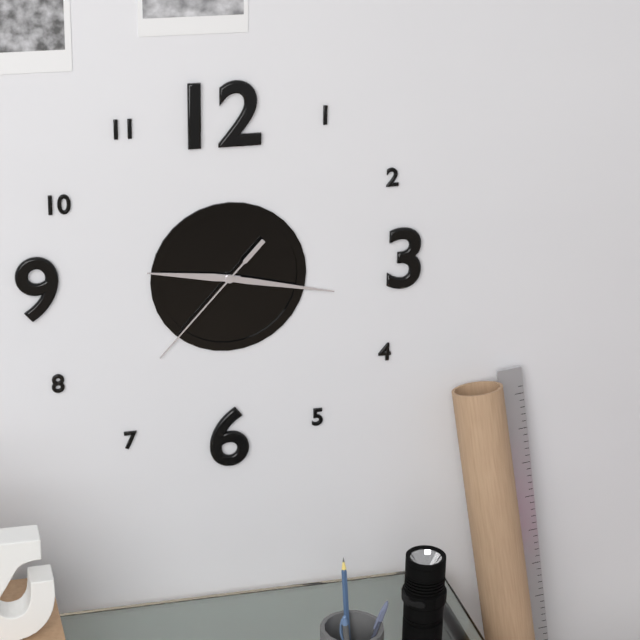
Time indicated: **9:17:37**
